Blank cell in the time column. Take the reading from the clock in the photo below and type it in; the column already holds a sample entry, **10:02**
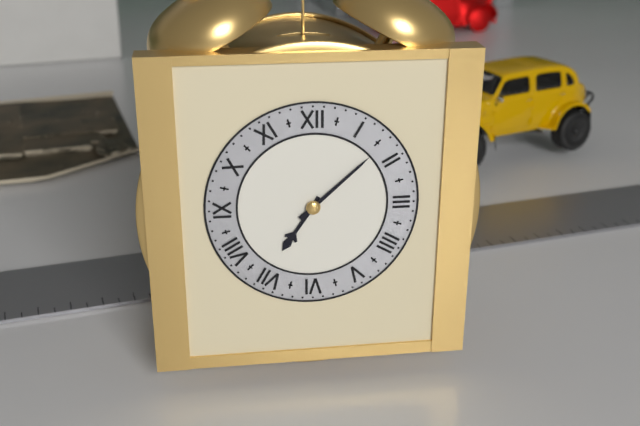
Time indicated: **7:08**
